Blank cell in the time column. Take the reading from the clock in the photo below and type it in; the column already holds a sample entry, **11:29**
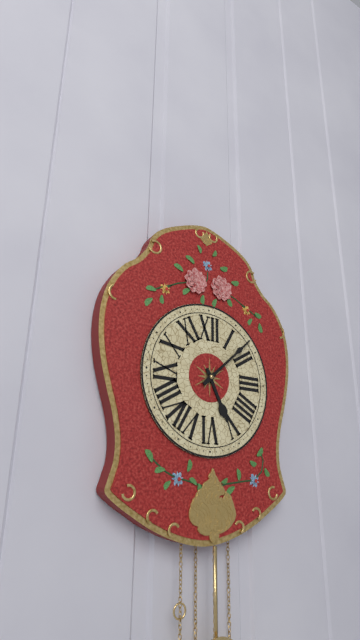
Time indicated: **5:08**
